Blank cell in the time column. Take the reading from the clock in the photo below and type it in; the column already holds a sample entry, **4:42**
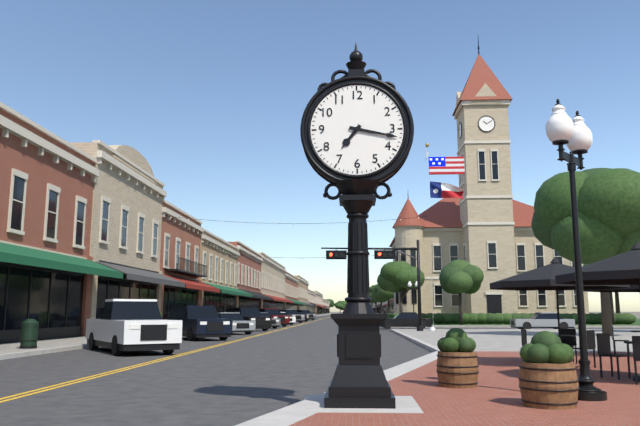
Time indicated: **7:17**
